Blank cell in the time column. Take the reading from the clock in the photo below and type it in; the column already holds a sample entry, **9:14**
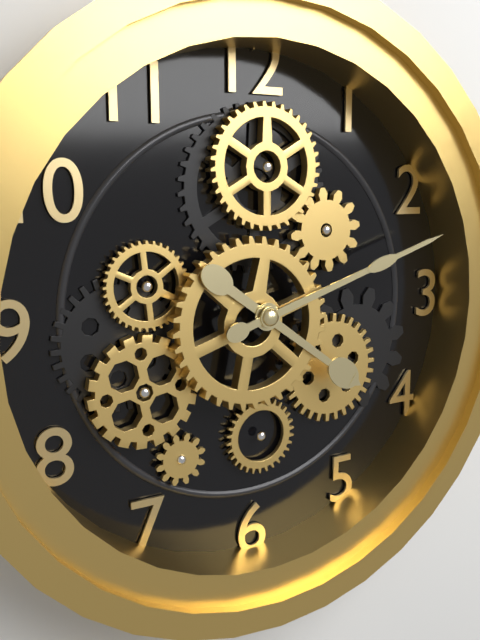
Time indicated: **4:12**
